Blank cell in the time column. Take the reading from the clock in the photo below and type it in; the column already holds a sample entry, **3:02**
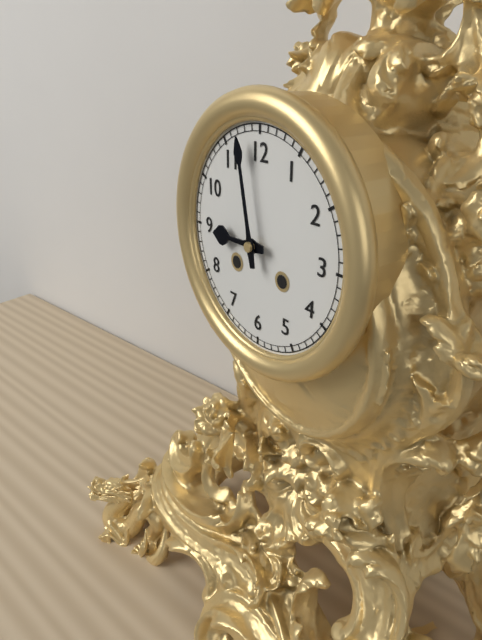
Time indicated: **8:58**
